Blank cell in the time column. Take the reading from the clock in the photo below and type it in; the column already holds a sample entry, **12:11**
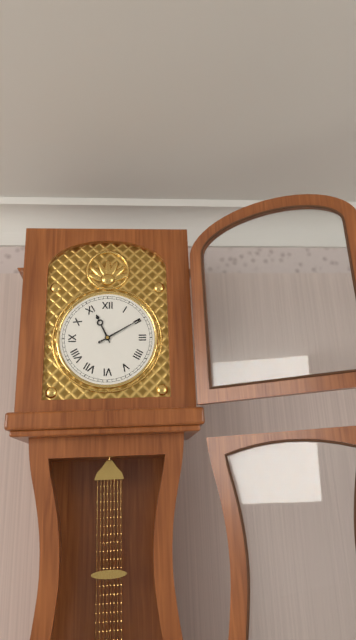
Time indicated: **11:10**
